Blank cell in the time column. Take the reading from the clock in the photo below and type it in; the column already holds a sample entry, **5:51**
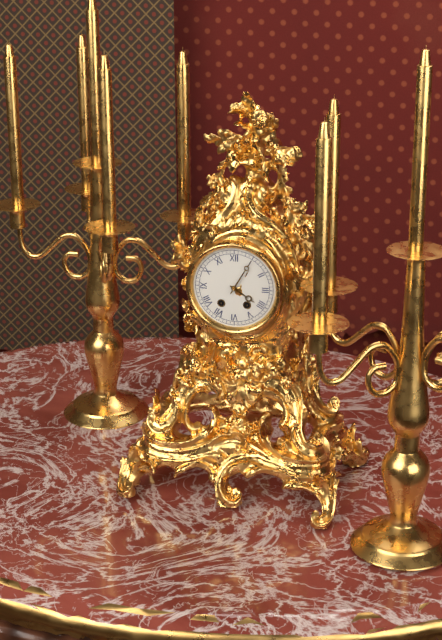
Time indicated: **4:05**
